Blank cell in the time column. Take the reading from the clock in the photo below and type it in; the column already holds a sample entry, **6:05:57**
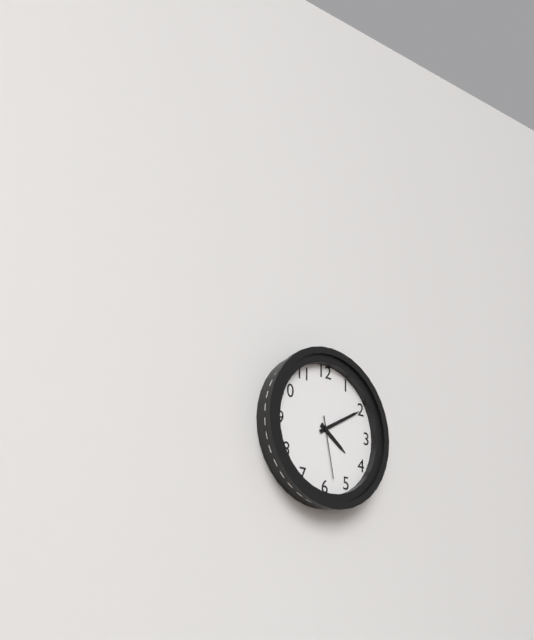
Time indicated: **4:10:28**
